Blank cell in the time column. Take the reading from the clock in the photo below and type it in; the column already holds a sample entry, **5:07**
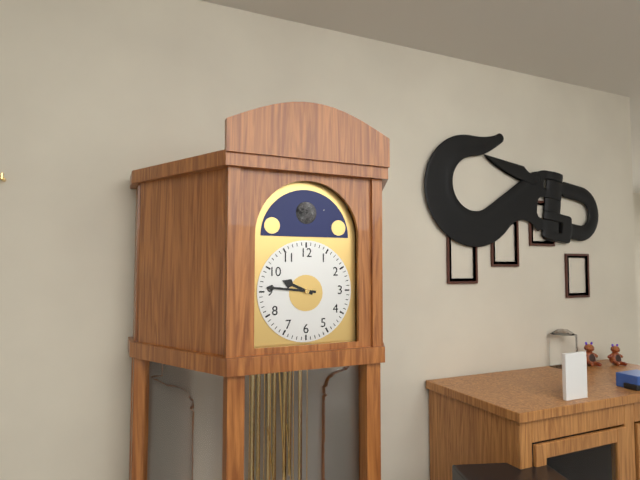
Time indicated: **9:46**
